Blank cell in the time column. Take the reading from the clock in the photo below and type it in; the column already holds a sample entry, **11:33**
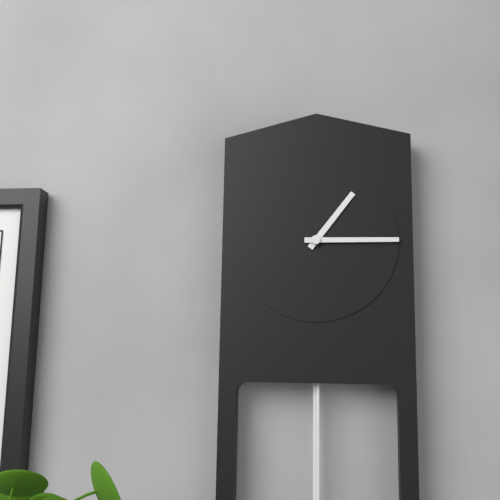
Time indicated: **1:15**
